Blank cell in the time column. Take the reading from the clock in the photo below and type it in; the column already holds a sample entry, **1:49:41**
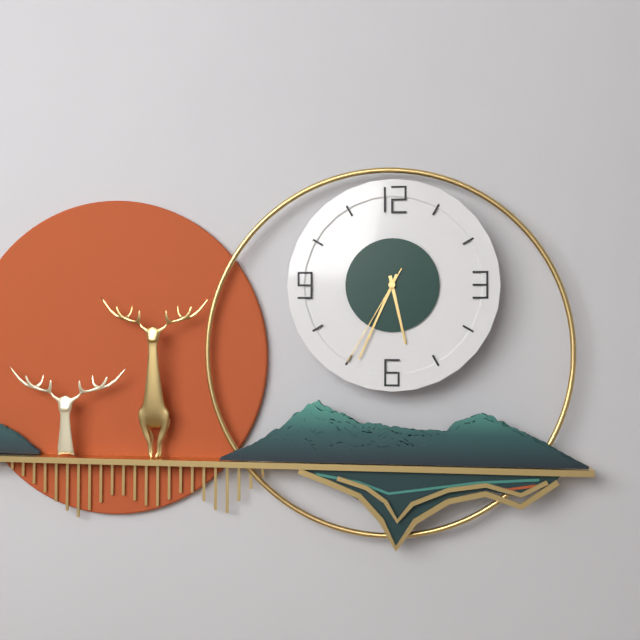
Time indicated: **5:34:35**
